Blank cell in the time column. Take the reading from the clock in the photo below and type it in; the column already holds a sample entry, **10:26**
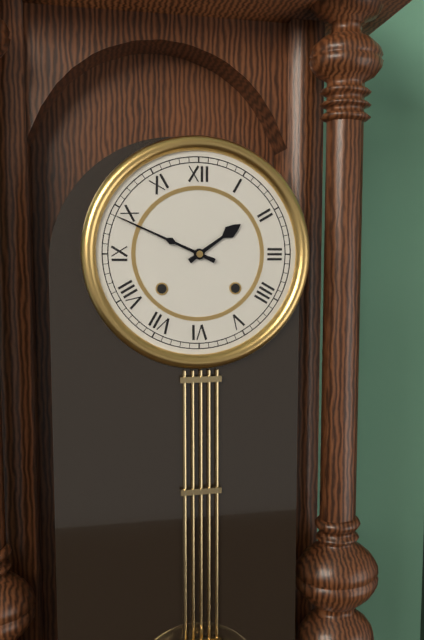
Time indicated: **1:49**
